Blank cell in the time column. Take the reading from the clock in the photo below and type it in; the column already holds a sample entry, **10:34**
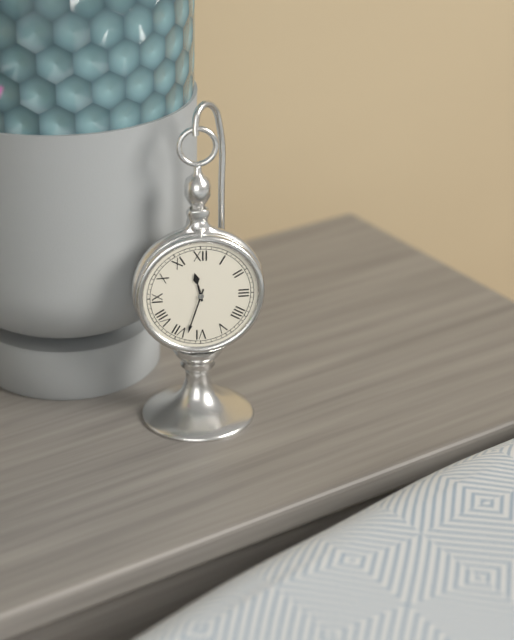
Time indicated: **11:33**
